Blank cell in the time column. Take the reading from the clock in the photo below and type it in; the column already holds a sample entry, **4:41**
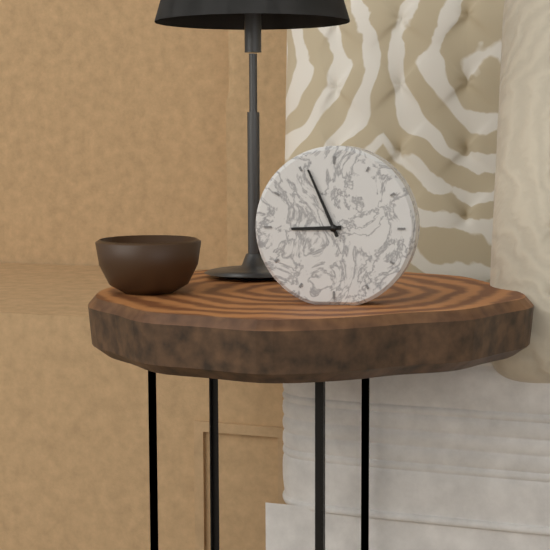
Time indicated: **8:56**
